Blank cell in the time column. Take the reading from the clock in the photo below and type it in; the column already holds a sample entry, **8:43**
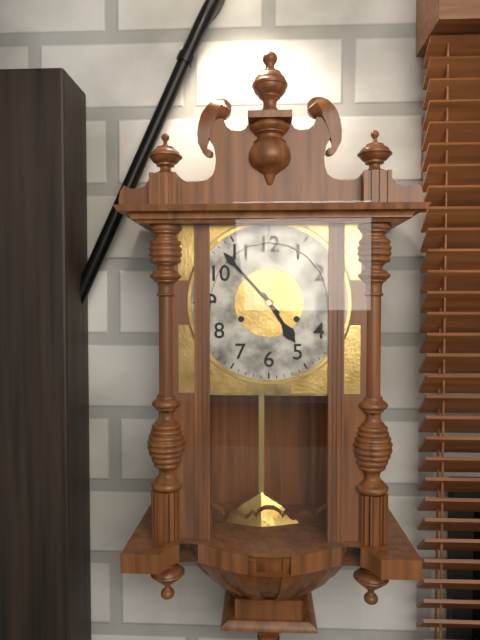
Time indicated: **4:53**
